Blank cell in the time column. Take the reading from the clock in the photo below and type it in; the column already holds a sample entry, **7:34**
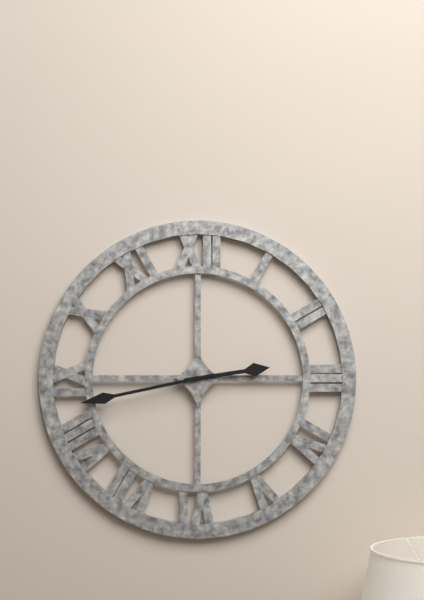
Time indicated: **2:43**
